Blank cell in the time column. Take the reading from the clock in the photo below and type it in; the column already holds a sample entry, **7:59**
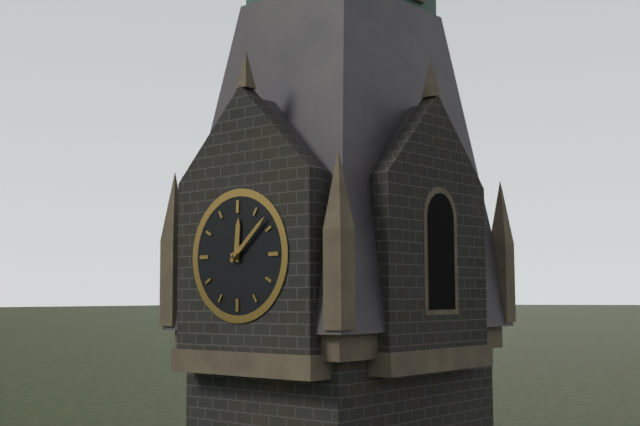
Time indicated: **12:08**
